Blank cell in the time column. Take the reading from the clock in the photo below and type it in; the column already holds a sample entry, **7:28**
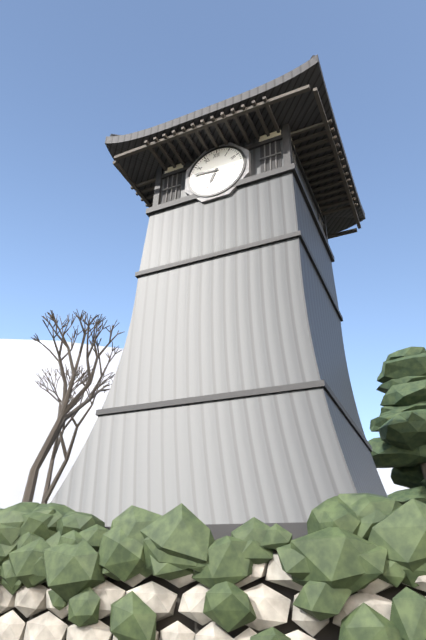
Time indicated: **6:46**
